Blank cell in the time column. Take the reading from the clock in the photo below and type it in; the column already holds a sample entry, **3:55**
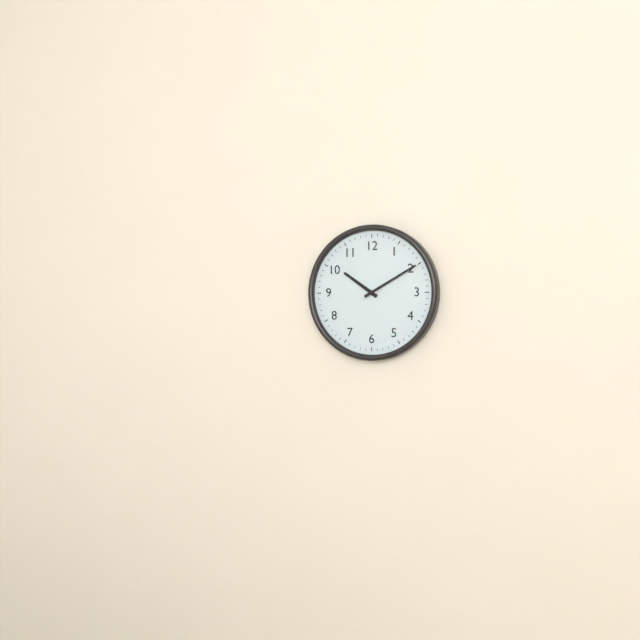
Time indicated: **10:10**
